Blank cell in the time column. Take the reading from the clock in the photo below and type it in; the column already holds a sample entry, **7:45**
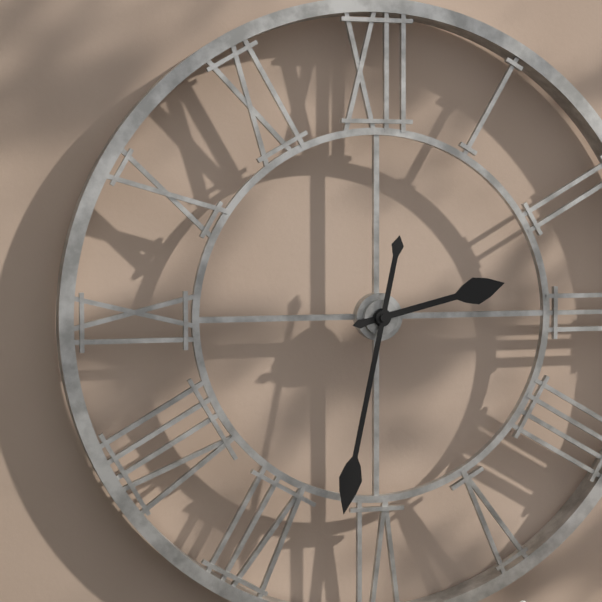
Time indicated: **2:32**
